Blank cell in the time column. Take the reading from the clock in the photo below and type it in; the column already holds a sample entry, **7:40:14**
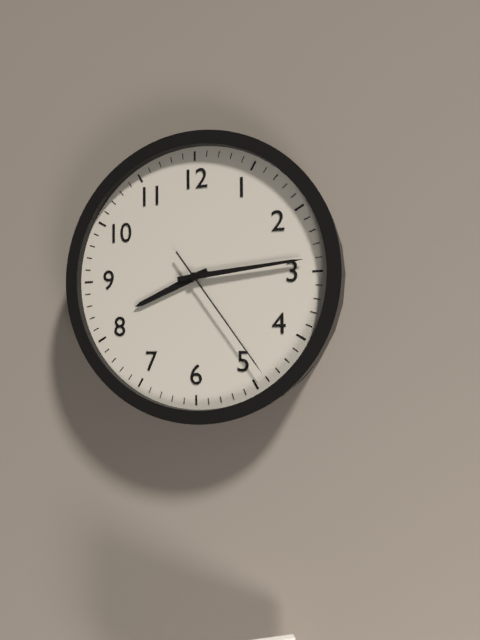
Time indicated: **8:14:24**
